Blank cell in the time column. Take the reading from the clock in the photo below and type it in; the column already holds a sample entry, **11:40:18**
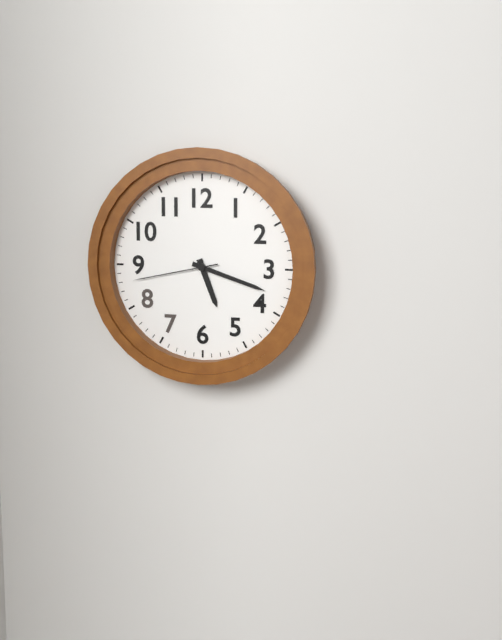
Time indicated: **5:18:43**
